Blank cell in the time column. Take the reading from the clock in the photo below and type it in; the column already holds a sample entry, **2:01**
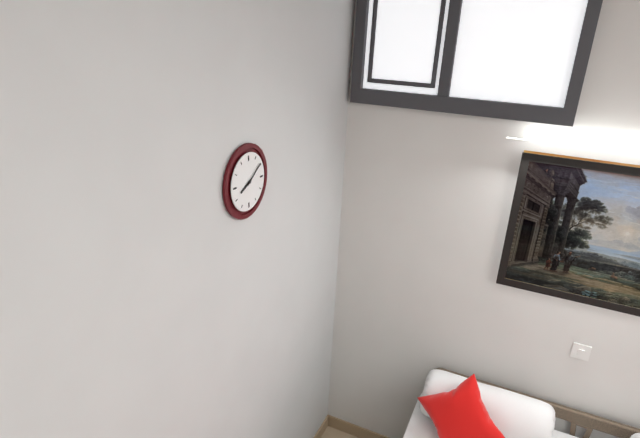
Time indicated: **8:09**
